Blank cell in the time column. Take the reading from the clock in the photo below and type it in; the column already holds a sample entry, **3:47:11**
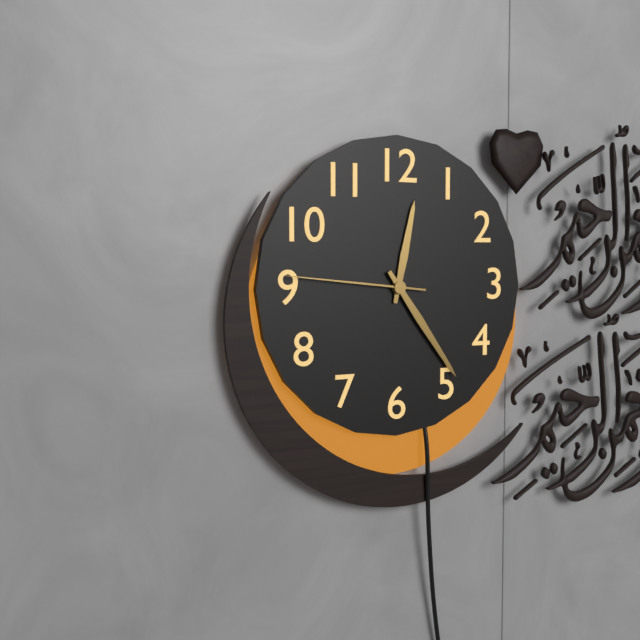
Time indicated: **12:24:46**
